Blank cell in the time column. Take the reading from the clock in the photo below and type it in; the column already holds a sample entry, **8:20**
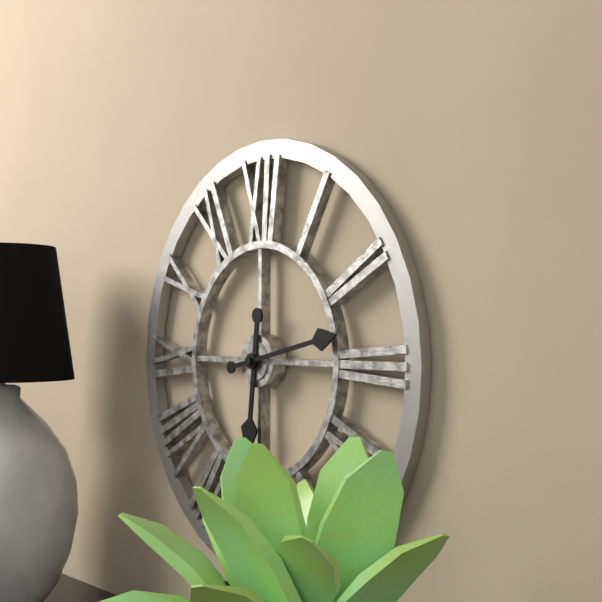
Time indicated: **6:13**
